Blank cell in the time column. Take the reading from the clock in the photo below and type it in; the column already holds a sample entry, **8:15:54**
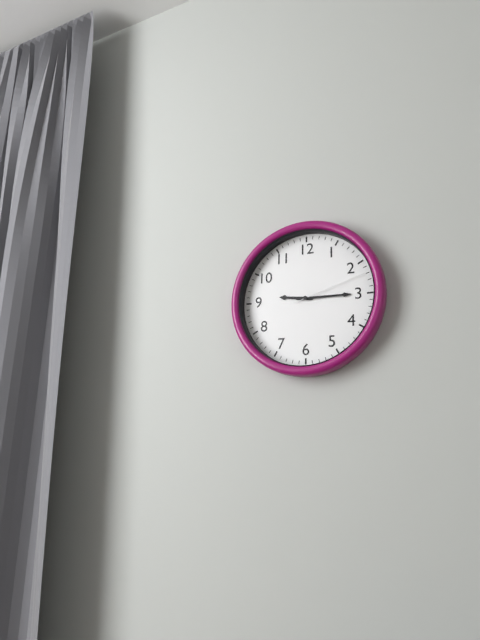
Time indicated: **9:15:12**
